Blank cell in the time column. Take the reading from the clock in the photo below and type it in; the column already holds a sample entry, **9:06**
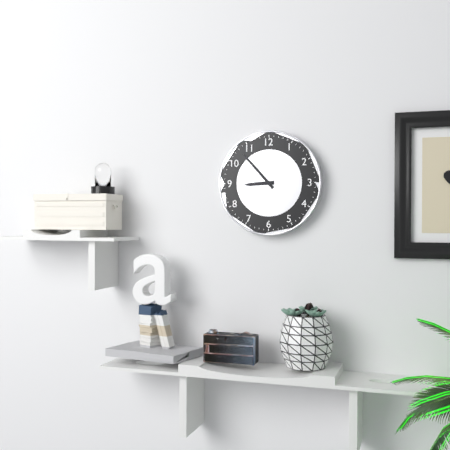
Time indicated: **8:53**
